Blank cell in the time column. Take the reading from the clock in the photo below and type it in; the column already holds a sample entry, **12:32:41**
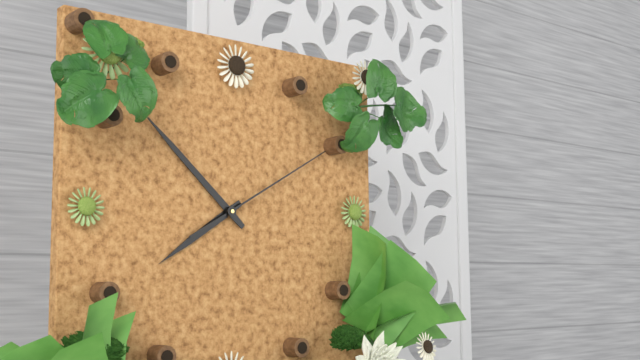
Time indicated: **7:52:10**
